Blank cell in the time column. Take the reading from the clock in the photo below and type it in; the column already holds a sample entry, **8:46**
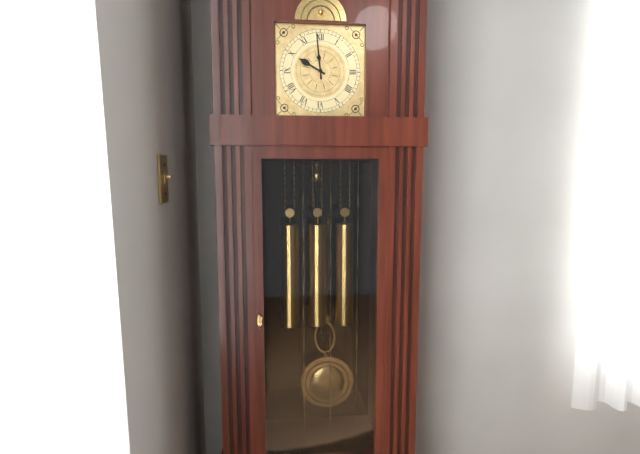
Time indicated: **9:59**
